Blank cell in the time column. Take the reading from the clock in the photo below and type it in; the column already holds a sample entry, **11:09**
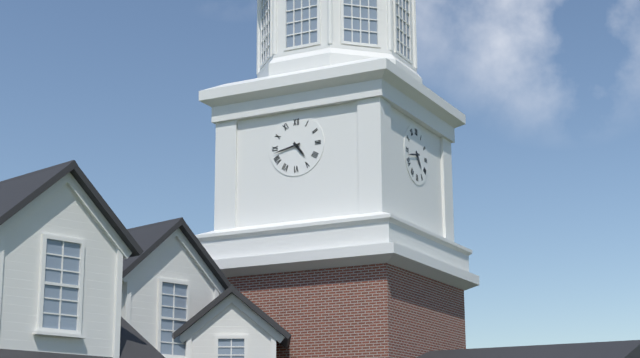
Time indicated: **4:43**
